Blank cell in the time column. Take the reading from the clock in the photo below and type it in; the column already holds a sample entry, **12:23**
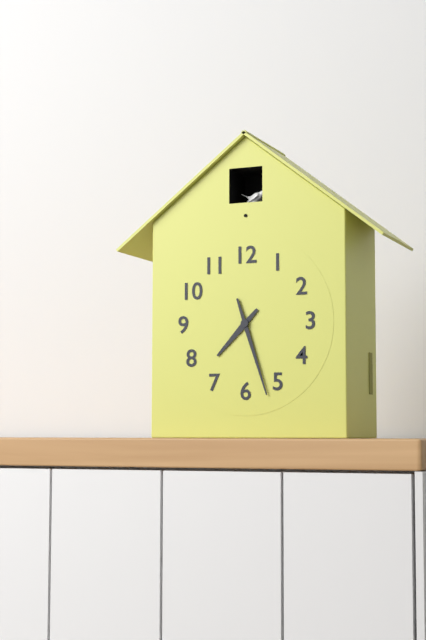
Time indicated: **7:27**
